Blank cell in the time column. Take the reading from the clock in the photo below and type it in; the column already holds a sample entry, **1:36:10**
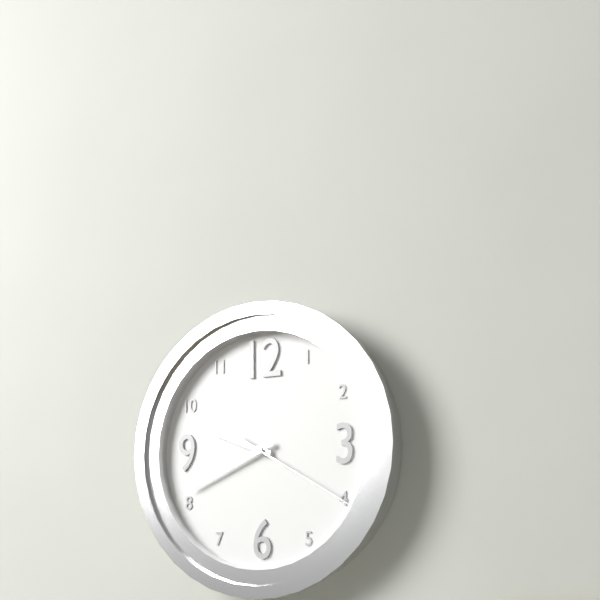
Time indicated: **9:41:20**
